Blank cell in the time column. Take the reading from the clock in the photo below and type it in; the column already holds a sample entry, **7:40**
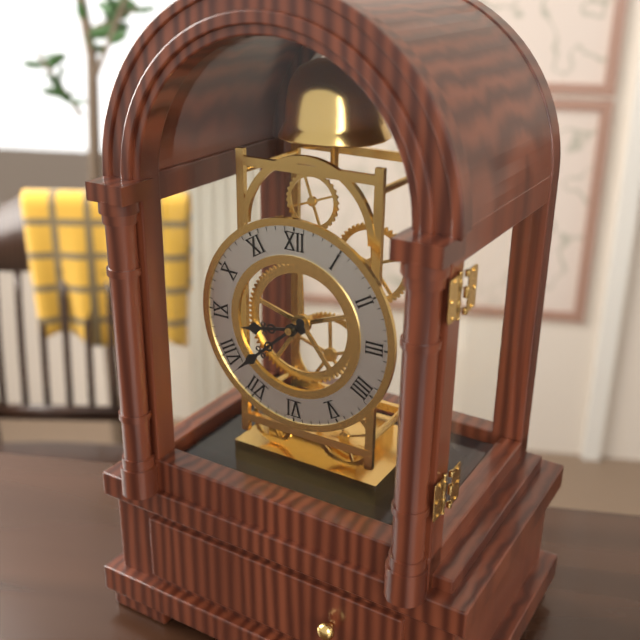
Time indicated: **8:38**
